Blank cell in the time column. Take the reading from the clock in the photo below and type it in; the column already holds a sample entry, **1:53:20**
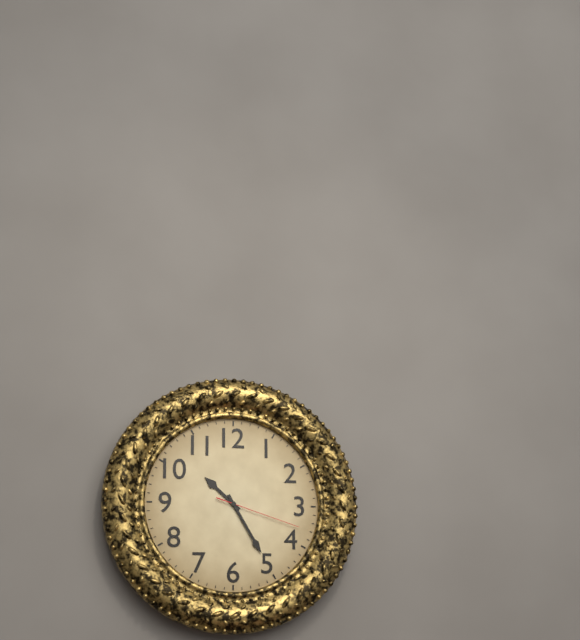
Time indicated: **10:25:18**
